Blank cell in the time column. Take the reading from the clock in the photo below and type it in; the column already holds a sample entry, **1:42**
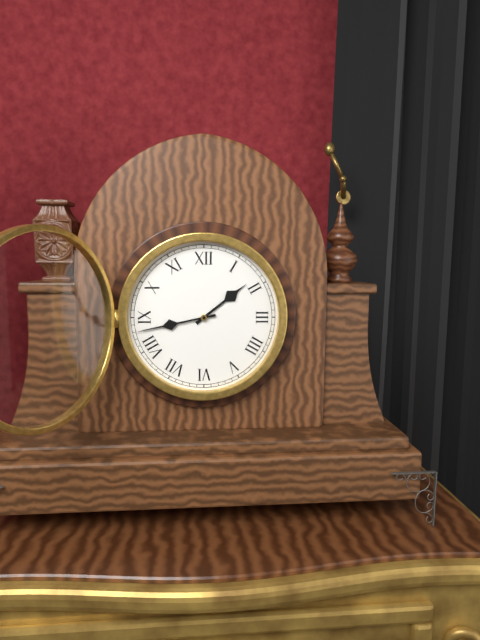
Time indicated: **1:43**
